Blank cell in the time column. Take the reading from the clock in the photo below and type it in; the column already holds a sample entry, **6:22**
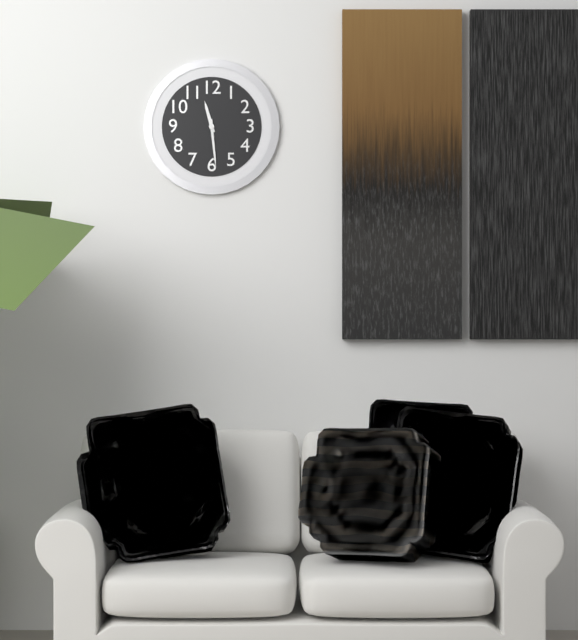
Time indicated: **11:29**
